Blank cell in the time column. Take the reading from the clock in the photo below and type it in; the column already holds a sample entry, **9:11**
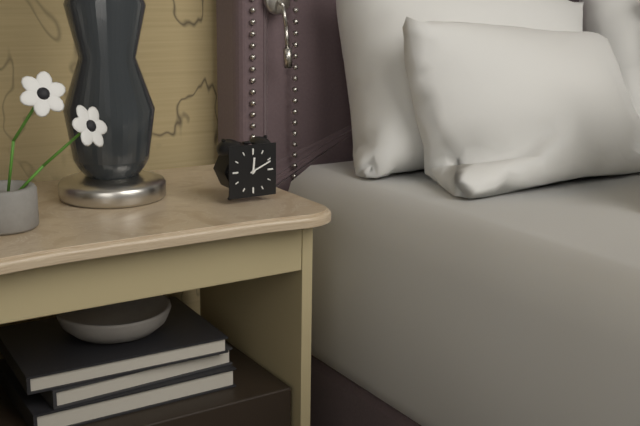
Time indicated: **12:11**
